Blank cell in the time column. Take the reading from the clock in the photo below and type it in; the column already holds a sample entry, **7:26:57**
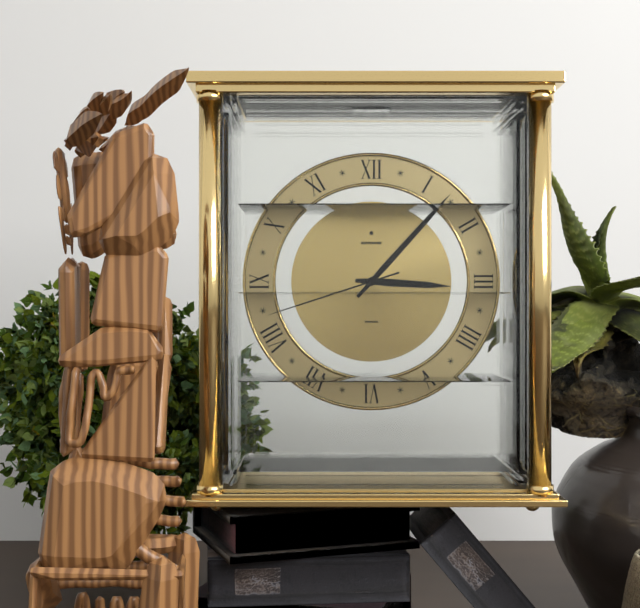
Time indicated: **3:07:42**
